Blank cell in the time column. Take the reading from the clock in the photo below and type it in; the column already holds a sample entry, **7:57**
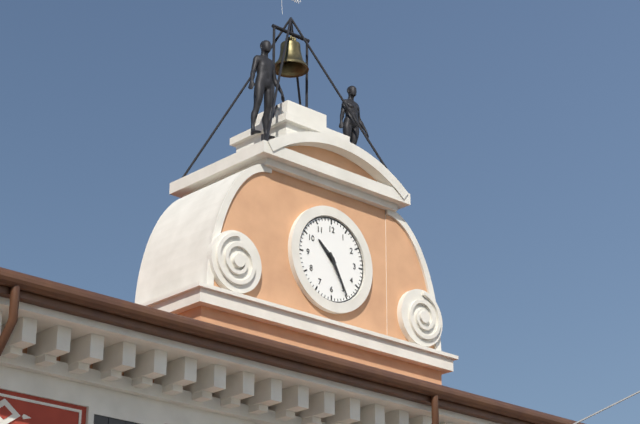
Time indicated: **10:25**
